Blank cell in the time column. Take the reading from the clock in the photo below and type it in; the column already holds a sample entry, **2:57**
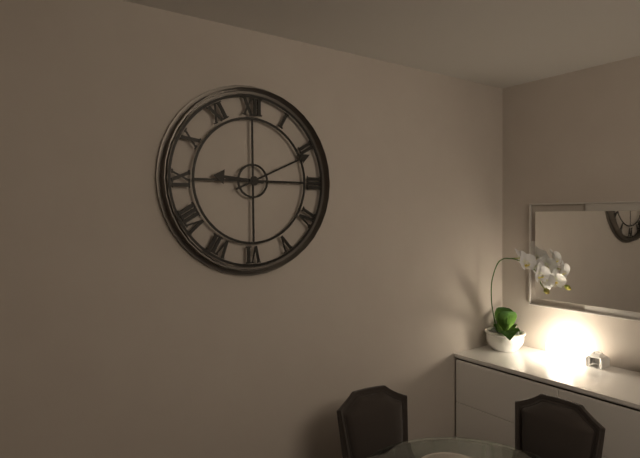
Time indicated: **9:11**
